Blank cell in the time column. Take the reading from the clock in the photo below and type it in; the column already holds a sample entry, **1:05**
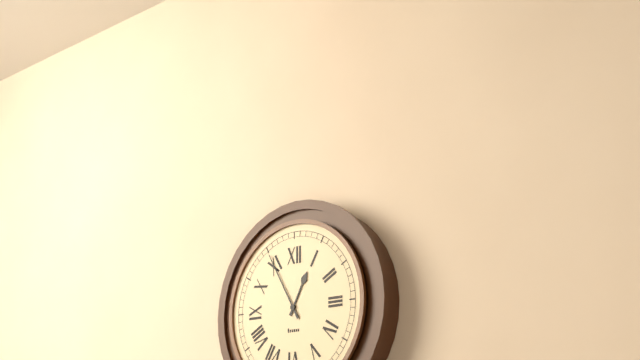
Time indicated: **12:55**
